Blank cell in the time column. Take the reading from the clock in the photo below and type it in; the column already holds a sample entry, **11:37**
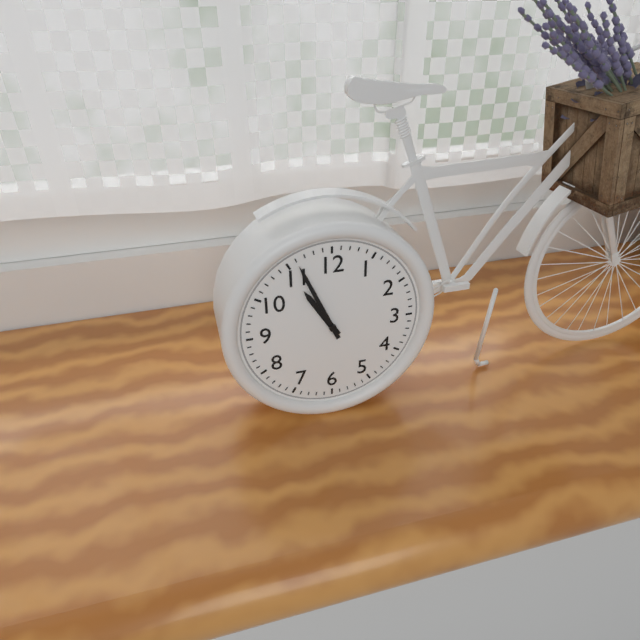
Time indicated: **10:56**
